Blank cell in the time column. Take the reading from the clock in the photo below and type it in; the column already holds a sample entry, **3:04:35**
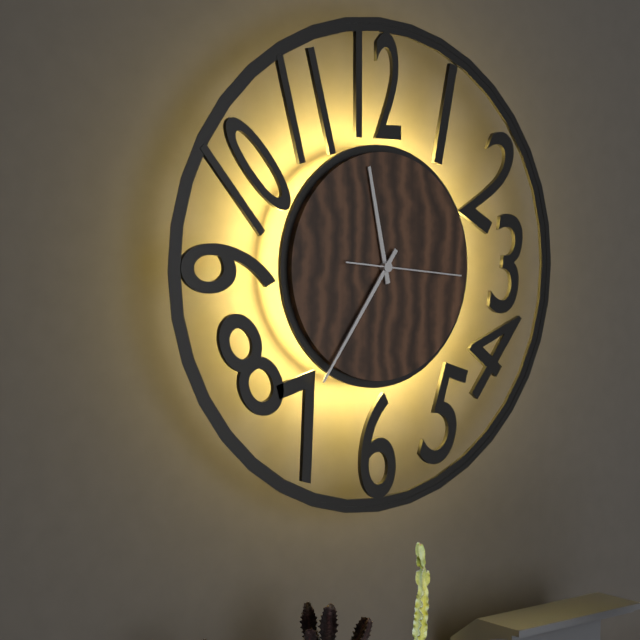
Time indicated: **11:36:16**
